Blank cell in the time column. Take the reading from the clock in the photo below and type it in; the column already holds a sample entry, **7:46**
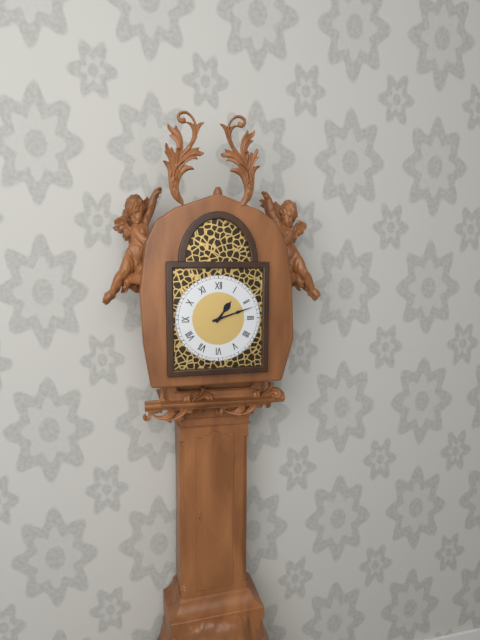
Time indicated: **1:12**
